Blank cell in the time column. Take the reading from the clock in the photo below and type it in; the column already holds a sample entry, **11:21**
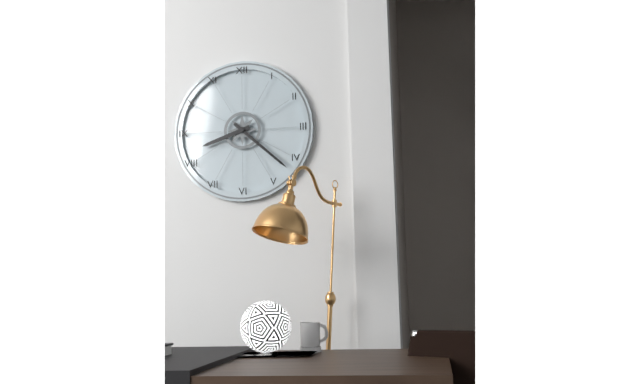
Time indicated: **8:22**
